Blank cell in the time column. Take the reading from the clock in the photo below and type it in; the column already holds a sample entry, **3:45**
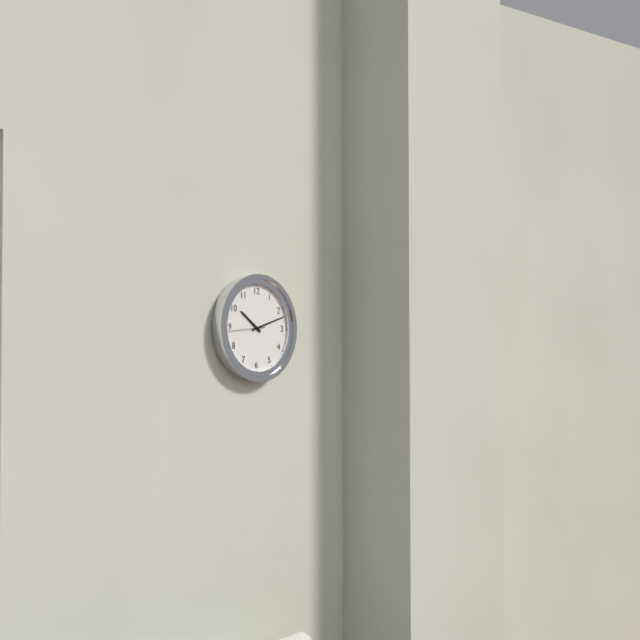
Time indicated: **10:12**
